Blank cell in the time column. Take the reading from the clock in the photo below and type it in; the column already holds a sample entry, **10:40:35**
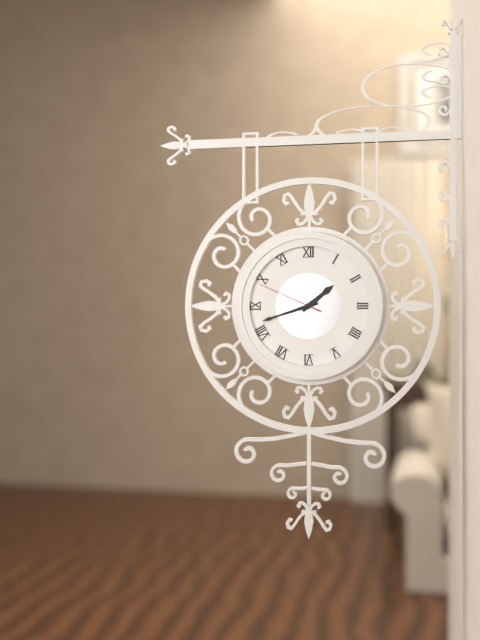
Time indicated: **1:42:49**
